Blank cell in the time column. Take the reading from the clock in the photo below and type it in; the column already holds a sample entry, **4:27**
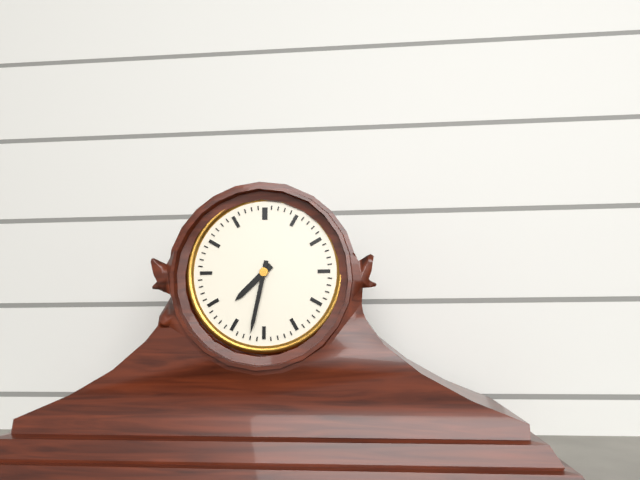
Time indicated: **7:32**
